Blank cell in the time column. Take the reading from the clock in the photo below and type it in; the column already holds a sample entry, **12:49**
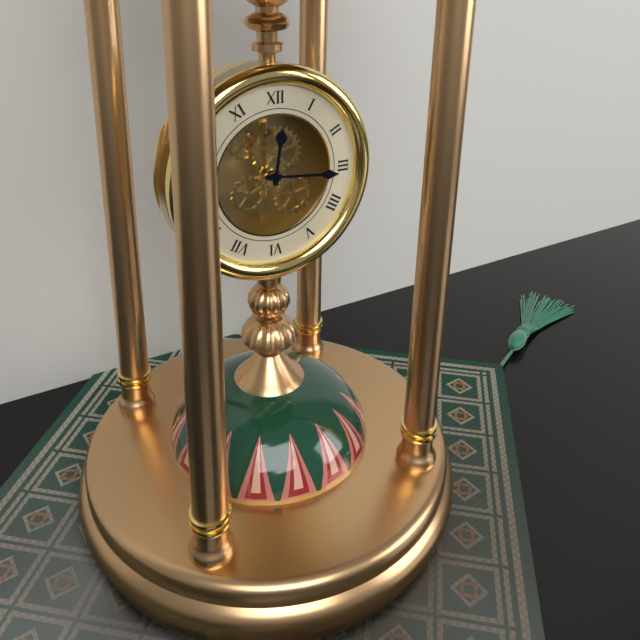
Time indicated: **12:16**
